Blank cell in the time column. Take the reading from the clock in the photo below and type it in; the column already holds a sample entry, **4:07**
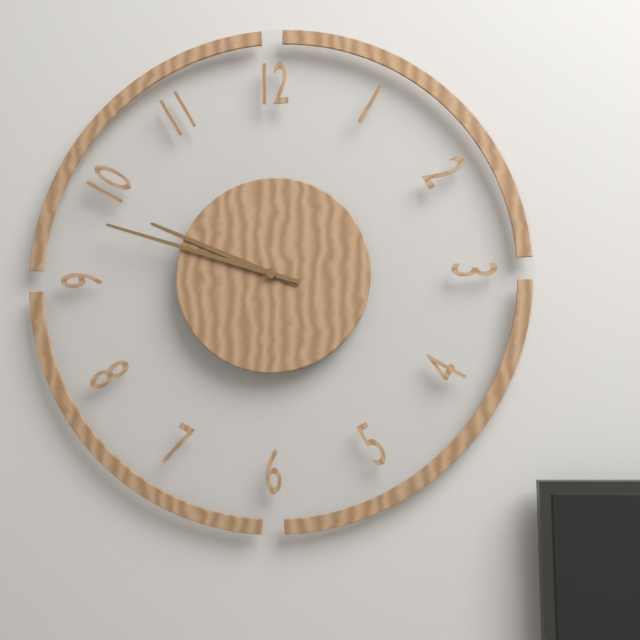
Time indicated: **9:48**
